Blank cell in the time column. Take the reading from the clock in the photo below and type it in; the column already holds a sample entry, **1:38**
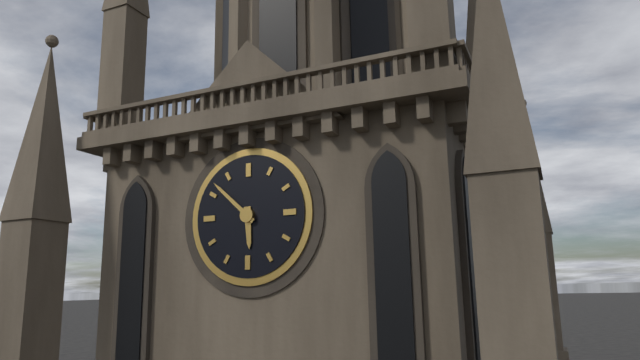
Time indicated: **5:52**
